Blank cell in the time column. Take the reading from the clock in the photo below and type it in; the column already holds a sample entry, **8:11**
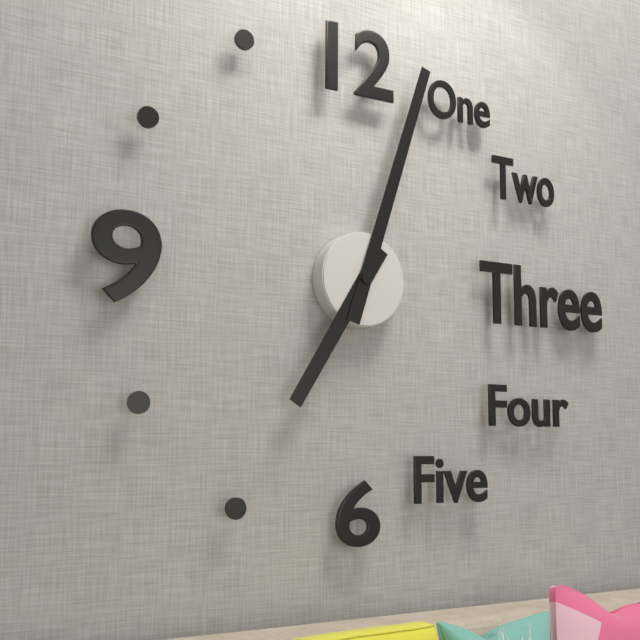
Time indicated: **7:03**
